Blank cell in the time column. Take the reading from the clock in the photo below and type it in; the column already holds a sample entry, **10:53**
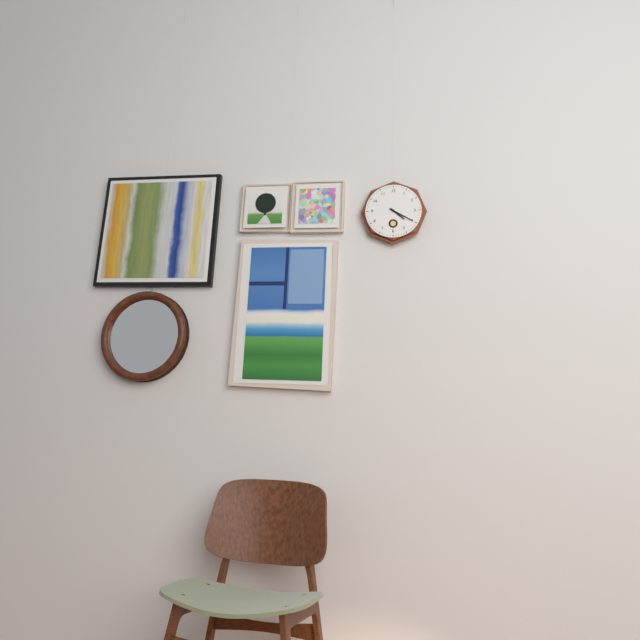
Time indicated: **4:20**
